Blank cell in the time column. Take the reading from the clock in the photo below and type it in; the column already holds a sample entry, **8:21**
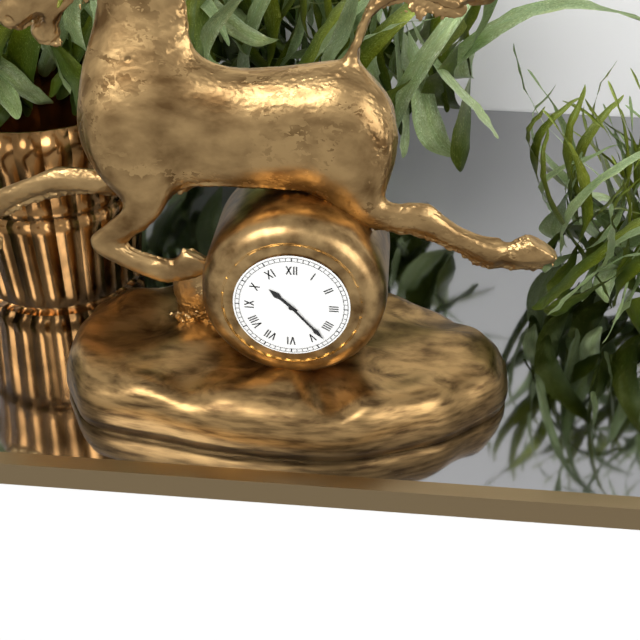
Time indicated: **10:23**
